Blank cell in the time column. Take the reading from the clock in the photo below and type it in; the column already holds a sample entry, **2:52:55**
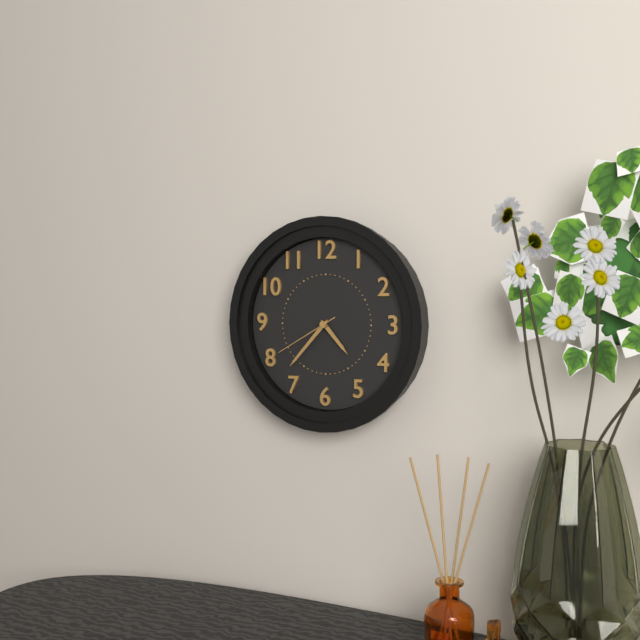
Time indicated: **4:37:40**
